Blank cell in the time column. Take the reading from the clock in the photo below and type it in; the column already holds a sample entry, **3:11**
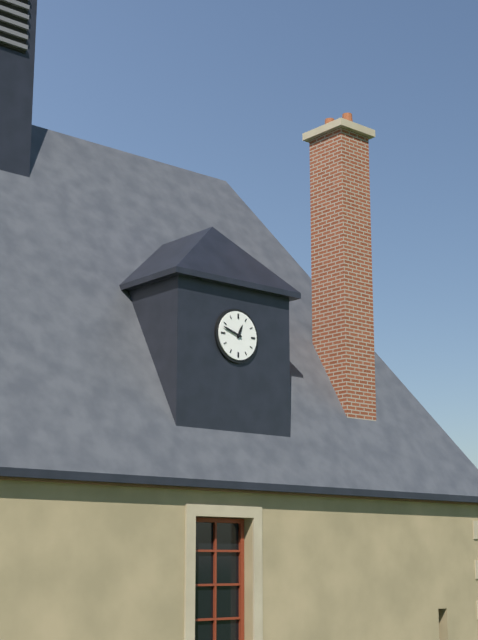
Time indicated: **12:48**
